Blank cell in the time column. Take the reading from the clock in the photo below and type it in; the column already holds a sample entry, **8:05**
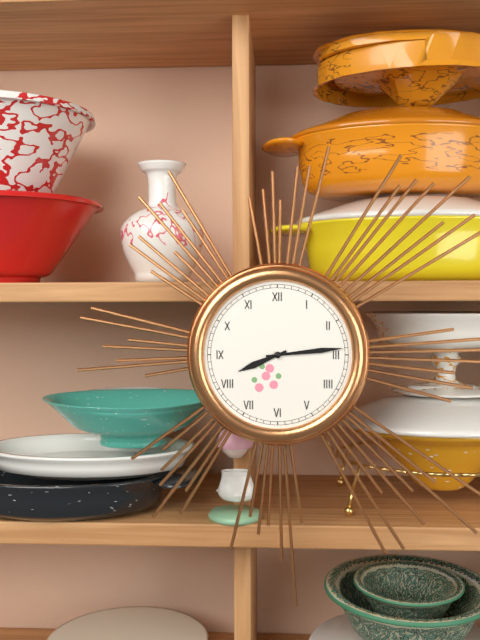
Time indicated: **8:14**
